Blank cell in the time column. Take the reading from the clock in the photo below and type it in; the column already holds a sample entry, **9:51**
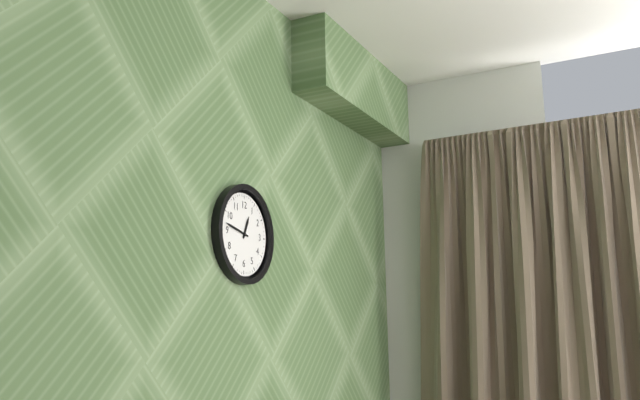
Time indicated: **12:47**
